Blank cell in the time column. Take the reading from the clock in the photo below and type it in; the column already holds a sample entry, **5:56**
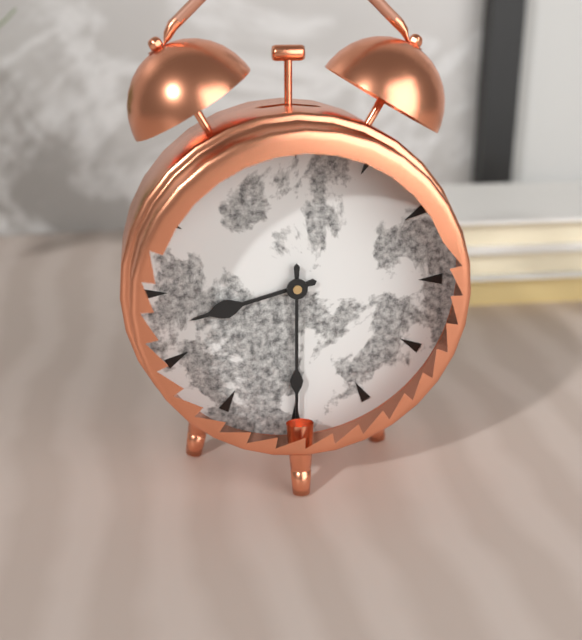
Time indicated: **8:30**
